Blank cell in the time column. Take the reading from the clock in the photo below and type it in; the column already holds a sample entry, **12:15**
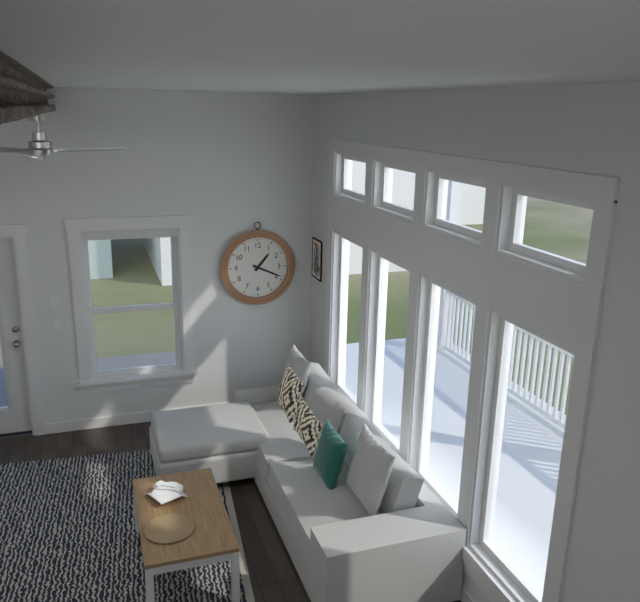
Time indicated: **1:19**
